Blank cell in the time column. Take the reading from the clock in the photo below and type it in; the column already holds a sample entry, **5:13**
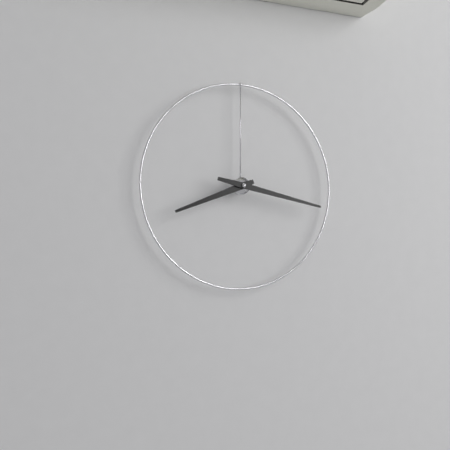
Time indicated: **8:17**
